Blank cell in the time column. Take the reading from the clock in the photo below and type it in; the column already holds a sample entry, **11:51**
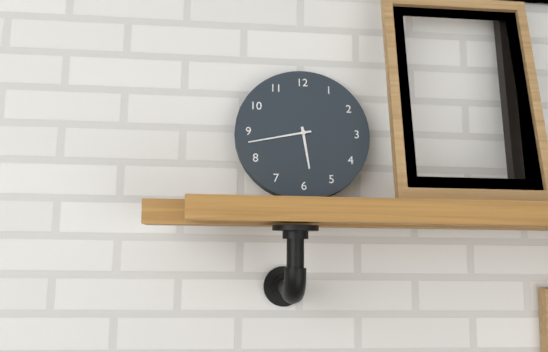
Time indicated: **5:43**
